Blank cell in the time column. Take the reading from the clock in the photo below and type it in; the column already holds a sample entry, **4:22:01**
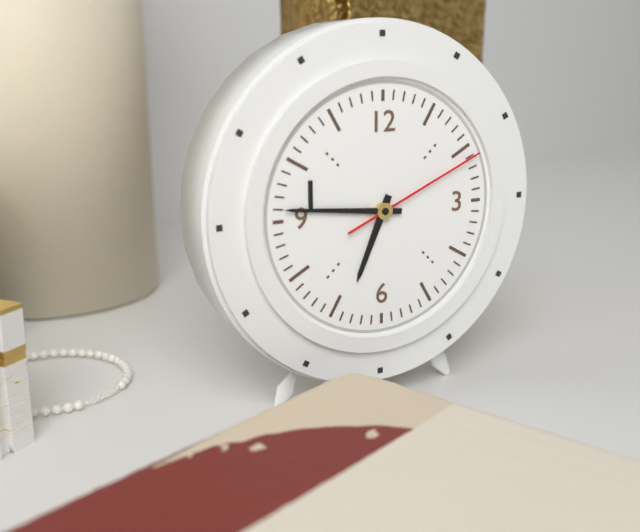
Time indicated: **6:46:11**
